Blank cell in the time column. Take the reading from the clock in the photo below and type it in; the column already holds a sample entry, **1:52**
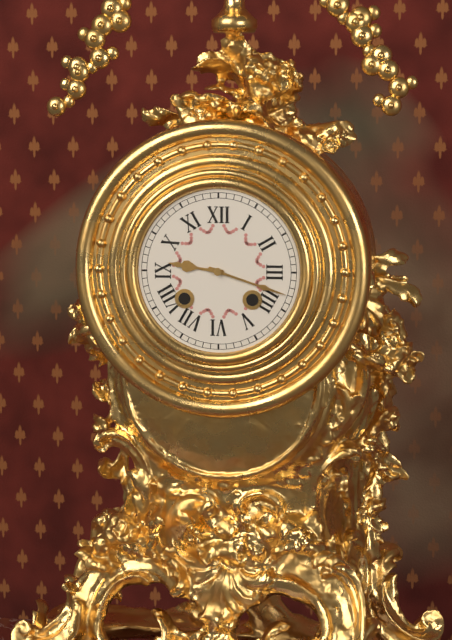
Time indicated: **9:18**
